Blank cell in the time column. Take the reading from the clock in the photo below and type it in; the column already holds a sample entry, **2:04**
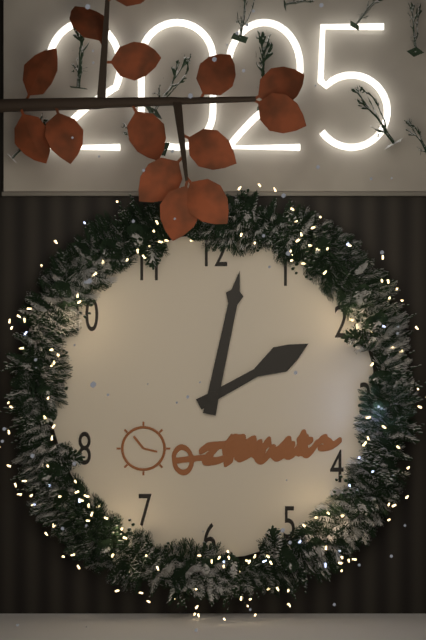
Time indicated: **2:02**
